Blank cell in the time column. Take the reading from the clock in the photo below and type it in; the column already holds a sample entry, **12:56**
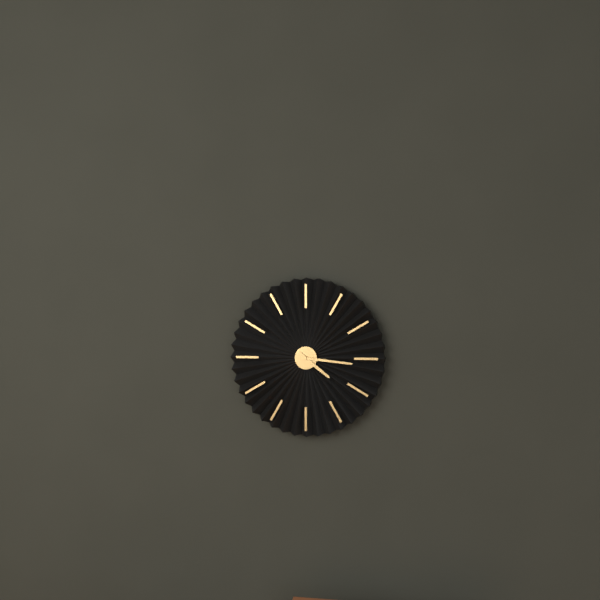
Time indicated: **4:16**
